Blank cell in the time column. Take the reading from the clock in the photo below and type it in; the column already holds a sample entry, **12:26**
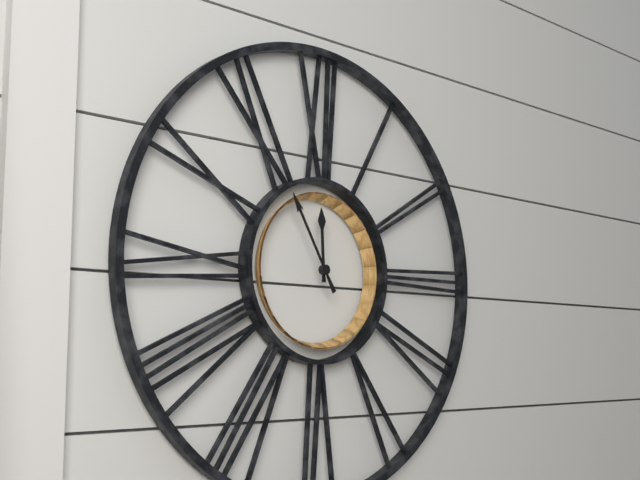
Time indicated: **11:55**
